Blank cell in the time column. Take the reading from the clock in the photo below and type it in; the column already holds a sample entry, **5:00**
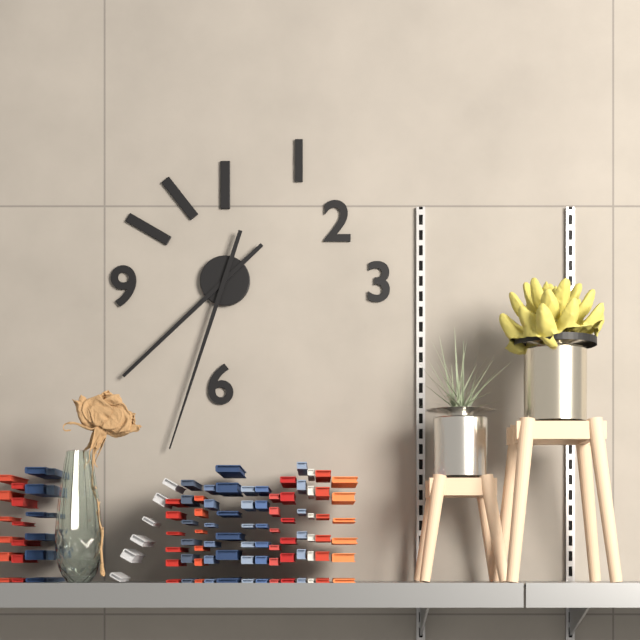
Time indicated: **7:33**
